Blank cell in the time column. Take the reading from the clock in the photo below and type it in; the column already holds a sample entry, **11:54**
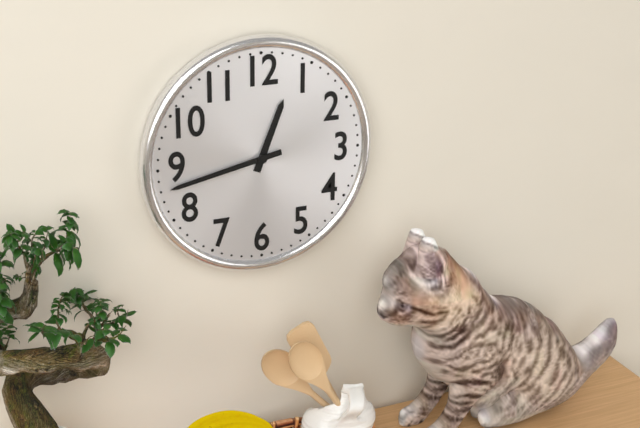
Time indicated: **12:43**
